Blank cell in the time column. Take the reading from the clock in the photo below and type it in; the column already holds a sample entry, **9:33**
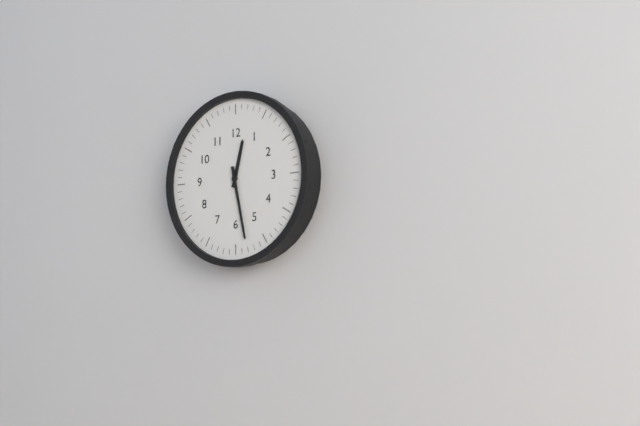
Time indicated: **12:28**
